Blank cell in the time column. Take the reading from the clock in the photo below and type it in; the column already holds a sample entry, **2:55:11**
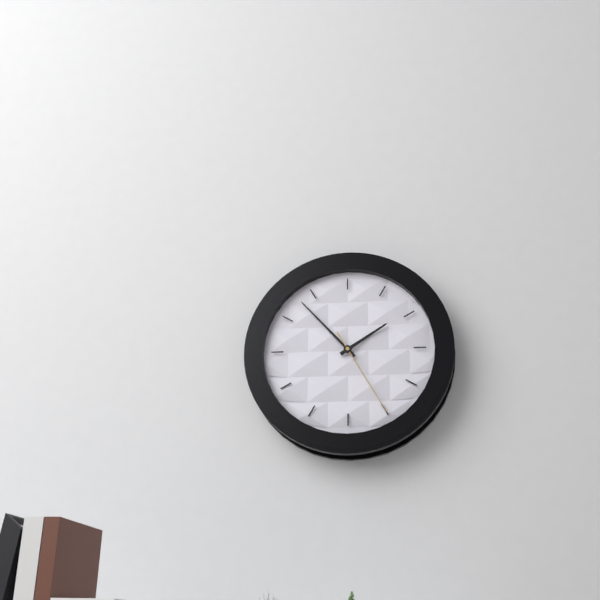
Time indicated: **1:53:25**
